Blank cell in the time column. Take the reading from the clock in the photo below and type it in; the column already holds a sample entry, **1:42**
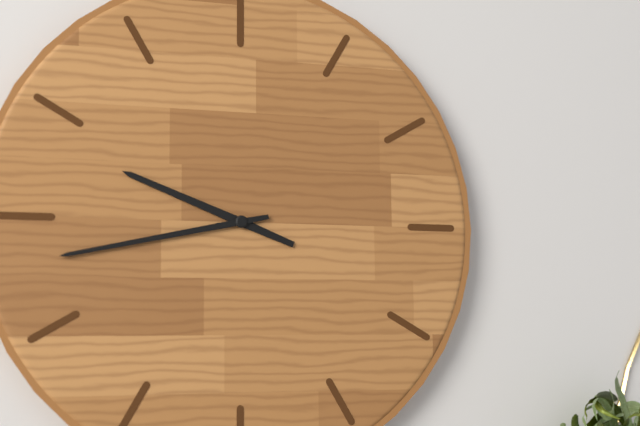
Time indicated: **9:43**
